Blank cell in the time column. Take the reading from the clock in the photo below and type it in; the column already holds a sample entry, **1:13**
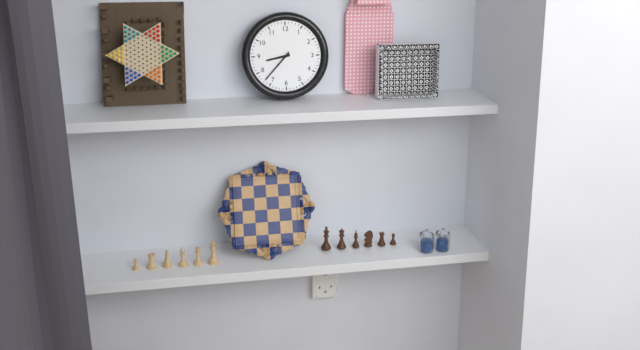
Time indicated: **8:37**
